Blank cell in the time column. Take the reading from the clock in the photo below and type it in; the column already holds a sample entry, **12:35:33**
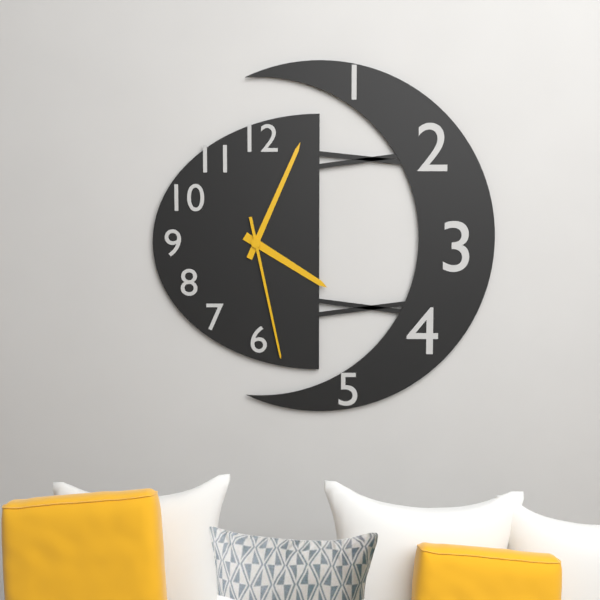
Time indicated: **4:04:28**
